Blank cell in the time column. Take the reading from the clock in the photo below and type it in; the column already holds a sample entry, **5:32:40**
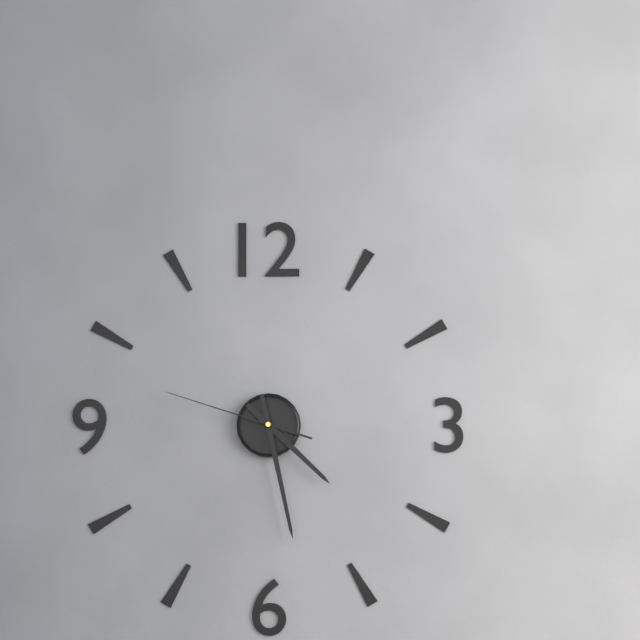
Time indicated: **4:28:48**
